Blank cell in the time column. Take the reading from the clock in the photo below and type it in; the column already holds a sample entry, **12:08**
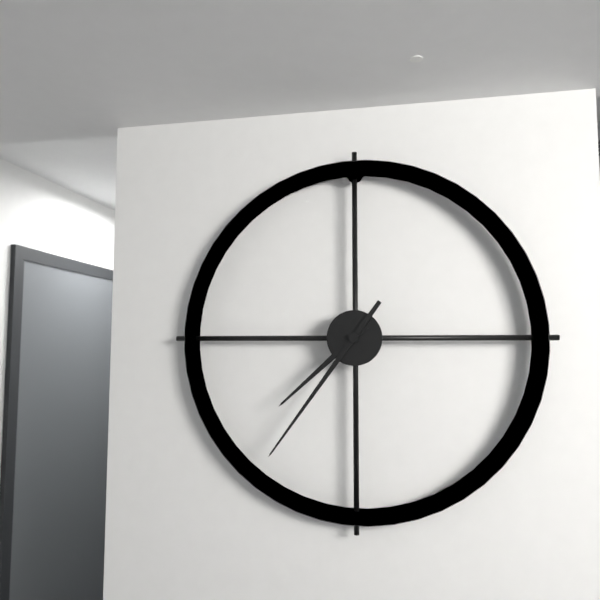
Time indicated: **7:36**
